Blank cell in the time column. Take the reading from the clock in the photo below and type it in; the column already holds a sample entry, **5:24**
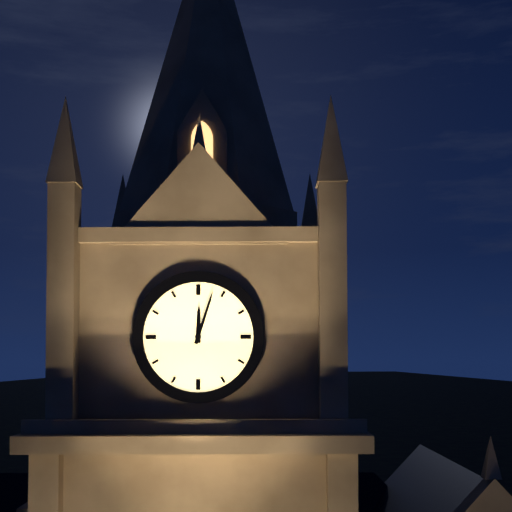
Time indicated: **12:03**
